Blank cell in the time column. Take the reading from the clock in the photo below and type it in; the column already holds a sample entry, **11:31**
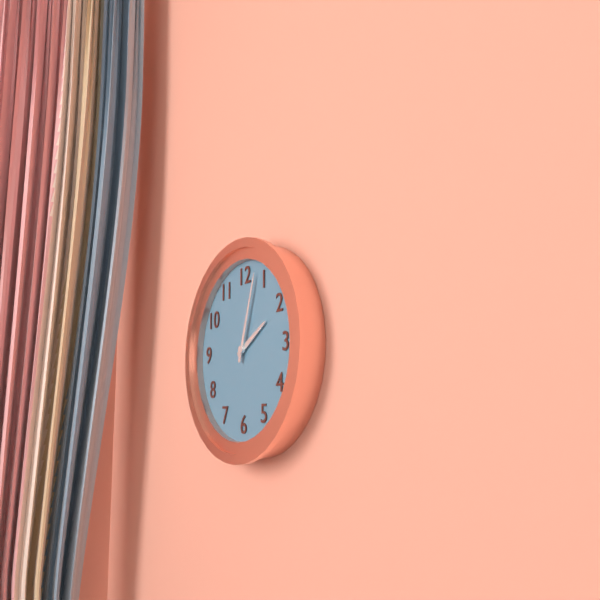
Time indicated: **2:03**
